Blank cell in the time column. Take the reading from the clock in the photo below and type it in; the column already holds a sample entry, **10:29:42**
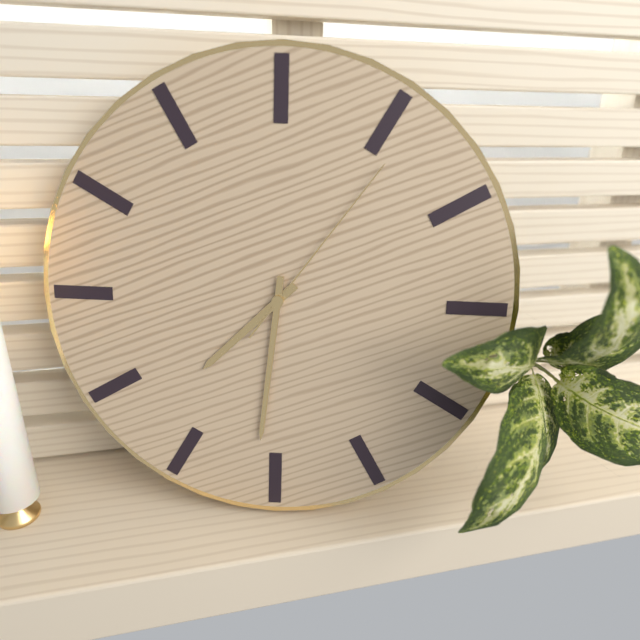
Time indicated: **7:31:06**
